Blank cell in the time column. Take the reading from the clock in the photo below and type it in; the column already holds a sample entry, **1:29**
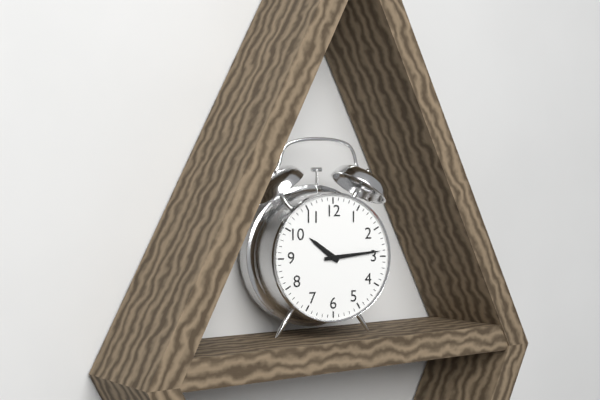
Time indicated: **10:14**
